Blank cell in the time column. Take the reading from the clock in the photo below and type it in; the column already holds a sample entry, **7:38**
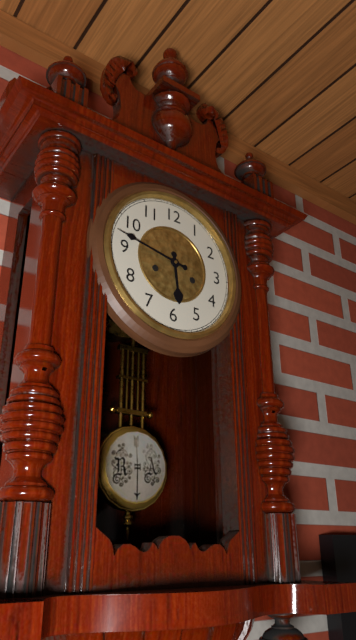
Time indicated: **5:47**
